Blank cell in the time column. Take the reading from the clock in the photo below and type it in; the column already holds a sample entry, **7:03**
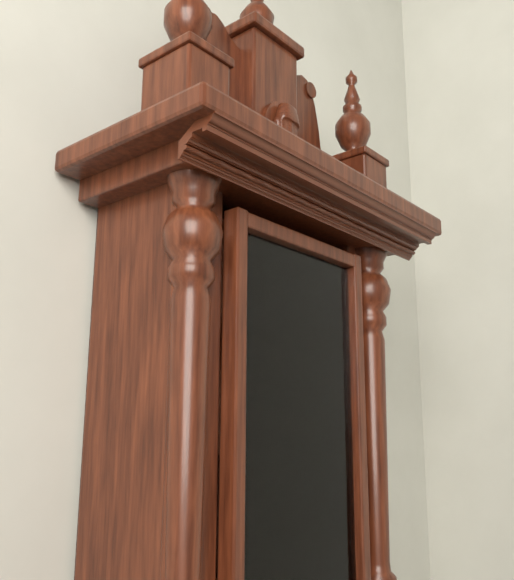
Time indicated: **10:00**
